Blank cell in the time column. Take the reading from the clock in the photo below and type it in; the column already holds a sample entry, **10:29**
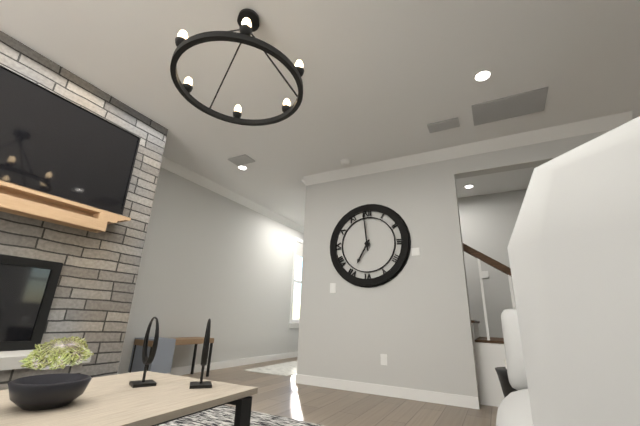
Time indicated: **6:59**
